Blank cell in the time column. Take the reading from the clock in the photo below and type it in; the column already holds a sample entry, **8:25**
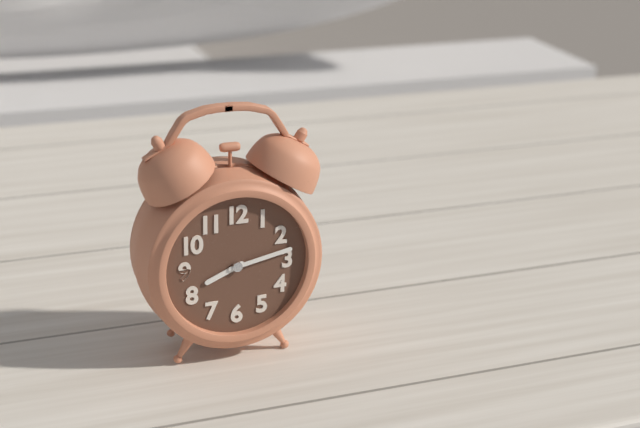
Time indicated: **8:13**
